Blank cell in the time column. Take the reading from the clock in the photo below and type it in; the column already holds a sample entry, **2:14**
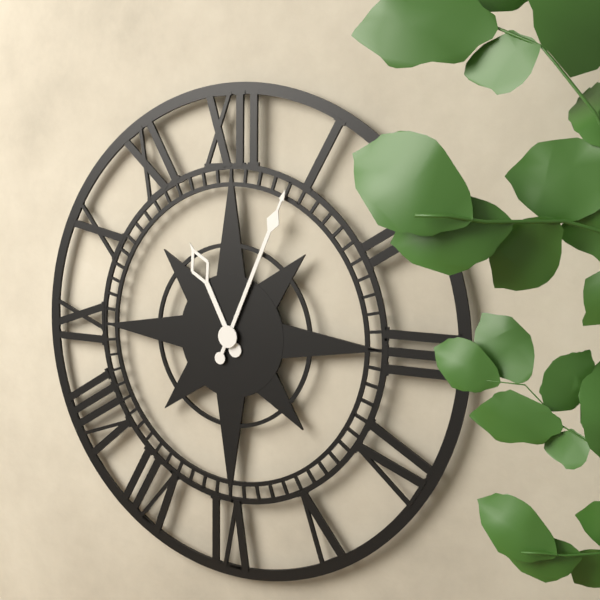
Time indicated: **11:04**
